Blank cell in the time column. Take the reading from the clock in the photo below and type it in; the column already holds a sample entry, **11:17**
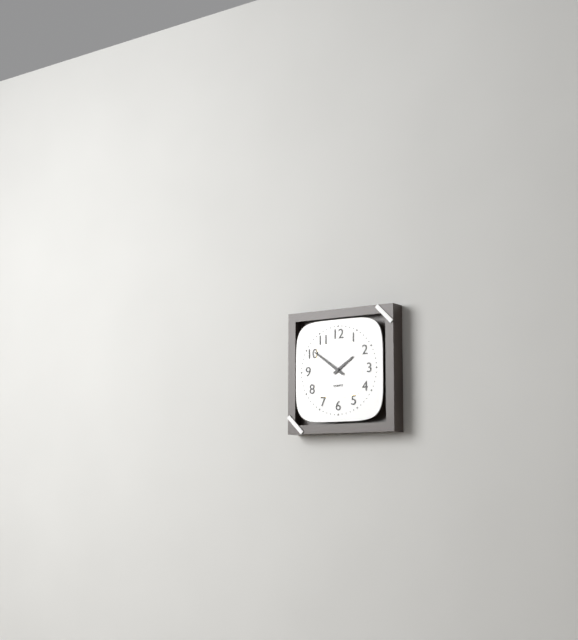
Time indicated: **1:51**
